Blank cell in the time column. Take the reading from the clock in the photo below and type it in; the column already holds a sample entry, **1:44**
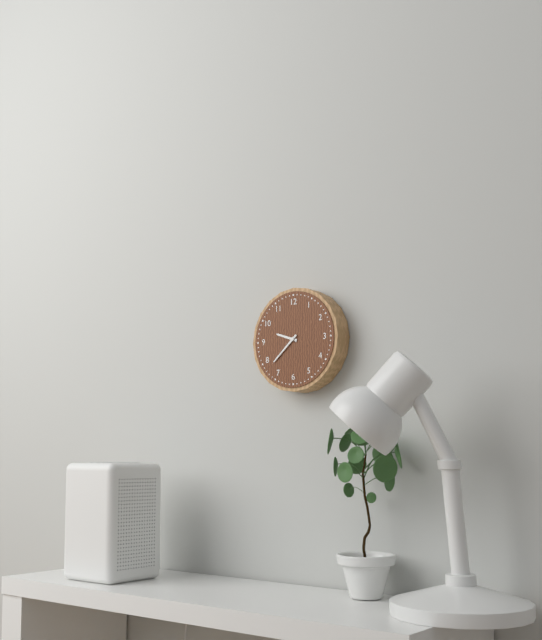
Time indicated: **9:38**
